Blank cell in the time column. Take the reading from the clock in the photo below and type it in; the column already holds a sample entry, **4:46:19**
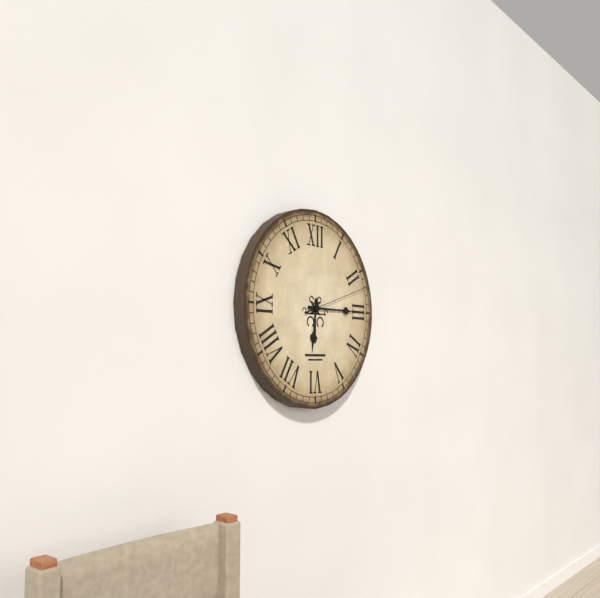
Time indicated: **6:15:12**
